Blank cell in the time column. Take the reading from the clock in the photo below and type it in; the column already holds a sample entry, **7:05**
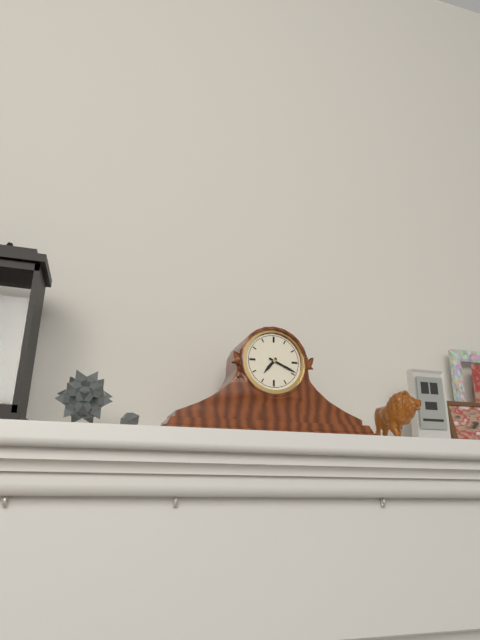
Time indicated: **7:19**
